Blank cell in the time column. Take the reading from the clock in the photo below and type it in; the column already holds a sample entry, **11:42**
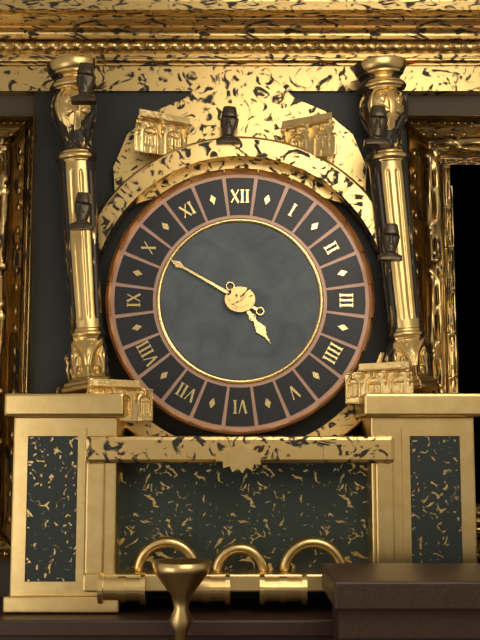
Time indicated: **4:50**
